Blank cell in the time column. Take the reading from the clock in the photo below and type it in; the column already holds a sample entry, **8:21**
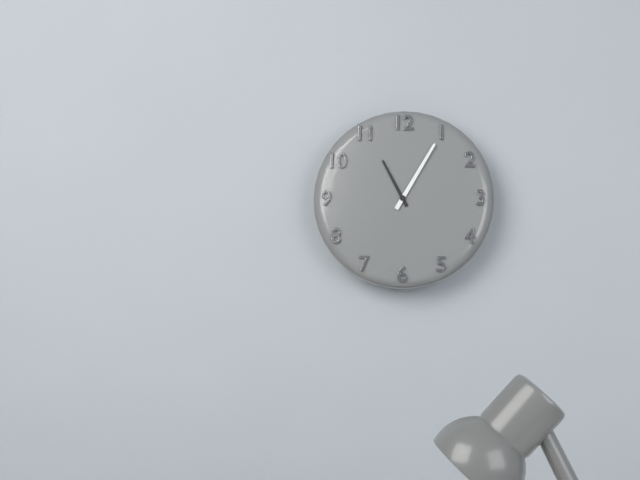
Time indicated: **11:05**
